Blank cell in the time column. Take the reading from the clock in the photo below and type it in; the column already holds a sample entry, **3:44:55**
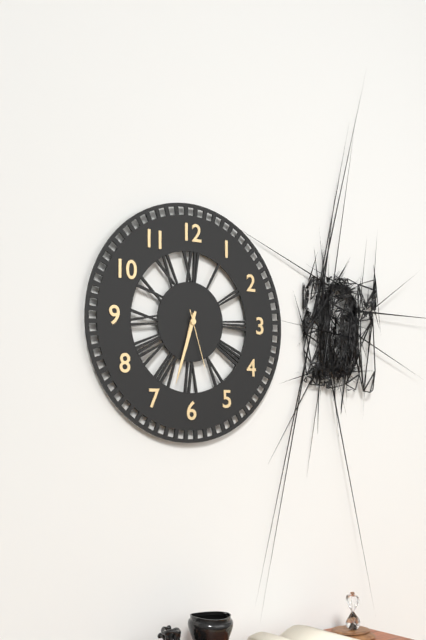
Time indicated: **6:33:27**
